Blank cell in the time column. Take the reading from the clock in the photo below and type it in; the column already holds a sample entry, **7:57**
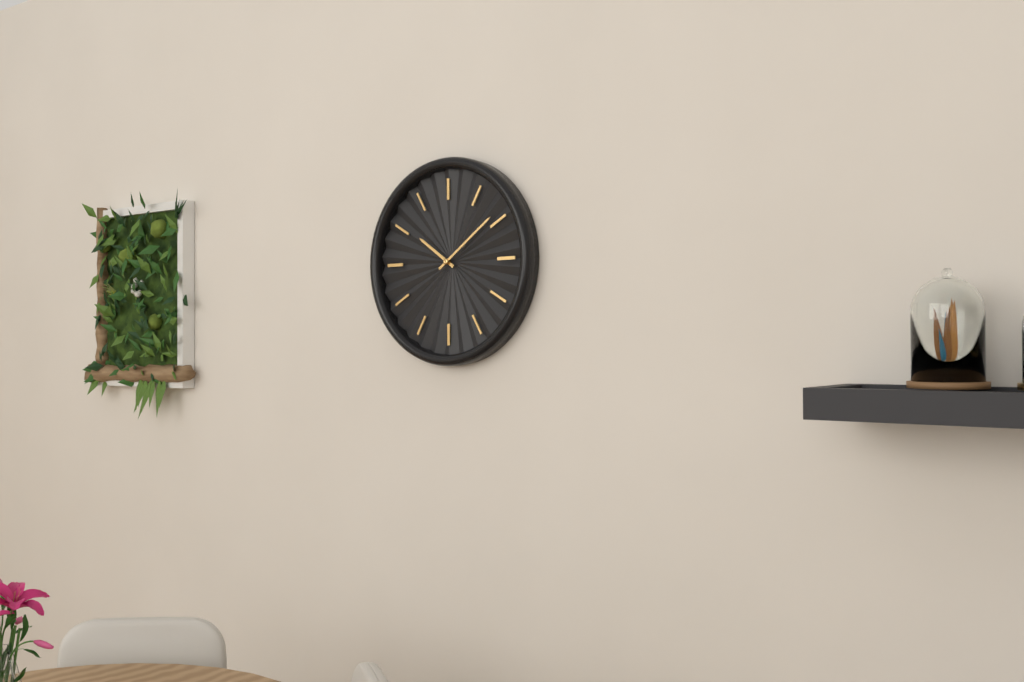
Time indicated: **10:09**
